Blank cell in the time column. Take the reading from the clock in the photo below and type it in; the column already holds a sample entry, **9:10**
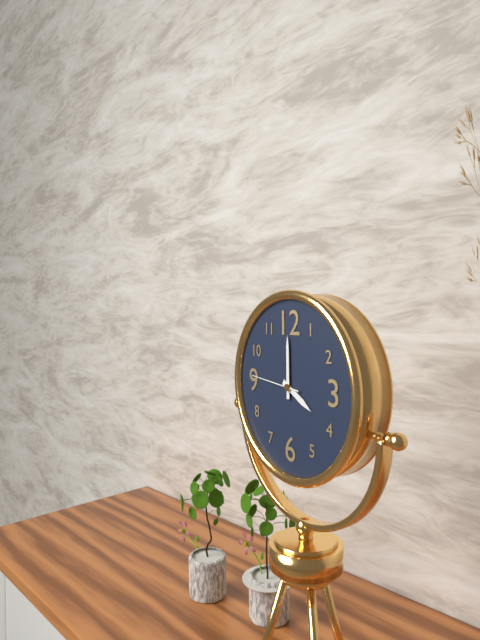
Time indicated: **4:00**
